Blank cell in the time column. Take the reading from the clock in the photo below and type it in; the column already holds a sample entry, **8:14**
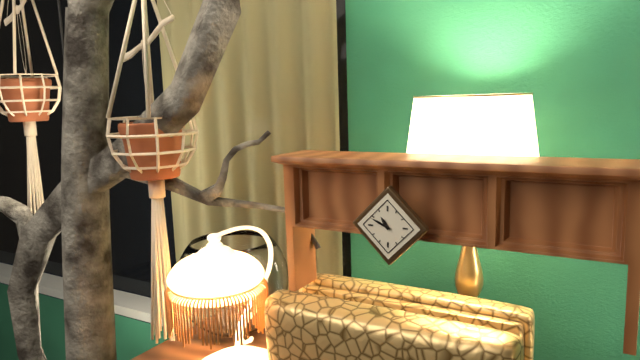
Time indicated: **10:49**
